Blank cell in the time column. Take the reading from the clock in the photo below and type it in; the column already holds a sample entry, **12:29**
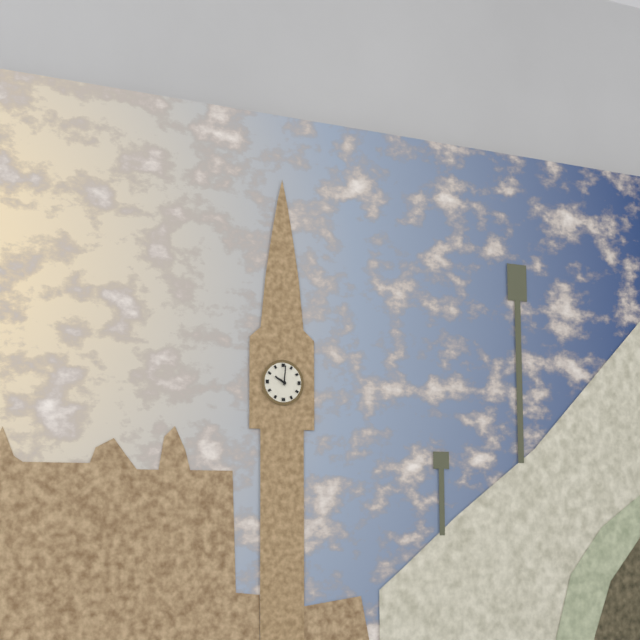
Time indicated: **10:01**
